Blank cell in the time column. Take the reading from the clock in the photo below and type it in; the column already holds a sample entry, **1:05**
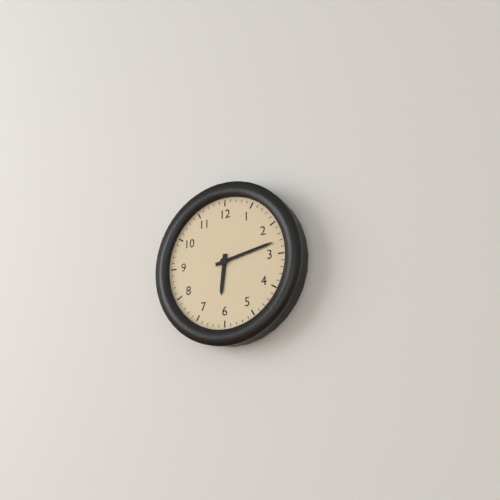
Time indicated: **6:13**
